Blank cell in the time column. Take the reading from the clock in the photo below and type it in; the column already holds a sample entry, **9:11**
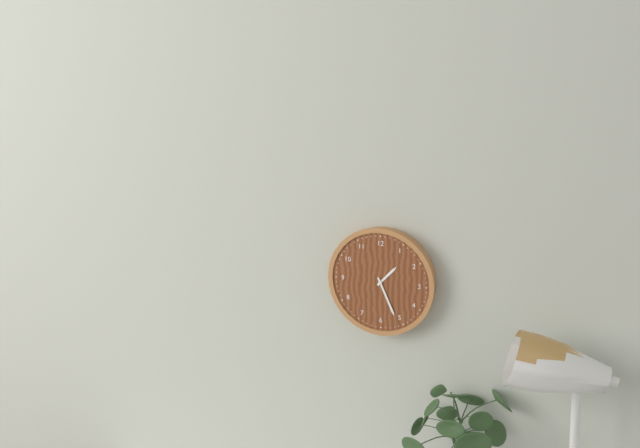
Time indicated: **1:26**
